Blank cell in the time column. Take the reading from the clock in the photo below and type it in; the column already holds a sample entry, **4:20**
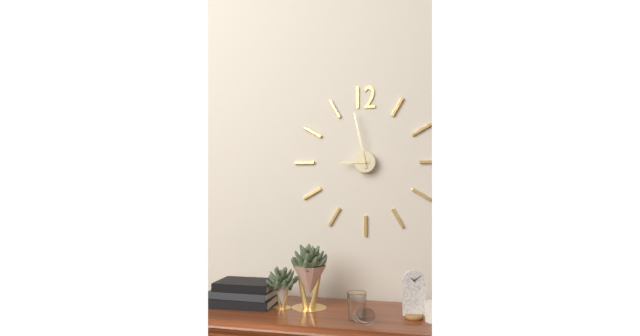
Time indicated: **8:58**
